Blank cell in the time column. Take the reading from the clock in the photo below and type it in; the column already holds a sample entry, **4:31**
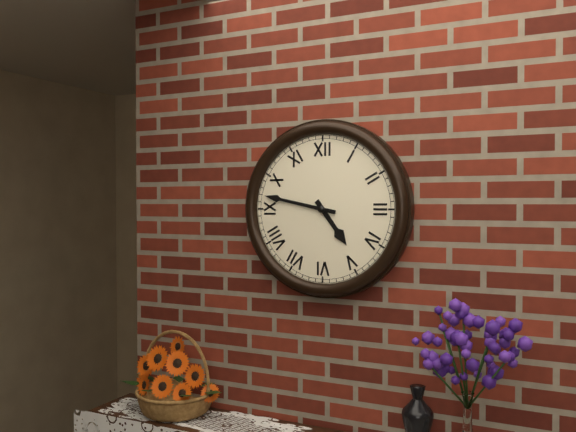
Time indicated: **4:47**
